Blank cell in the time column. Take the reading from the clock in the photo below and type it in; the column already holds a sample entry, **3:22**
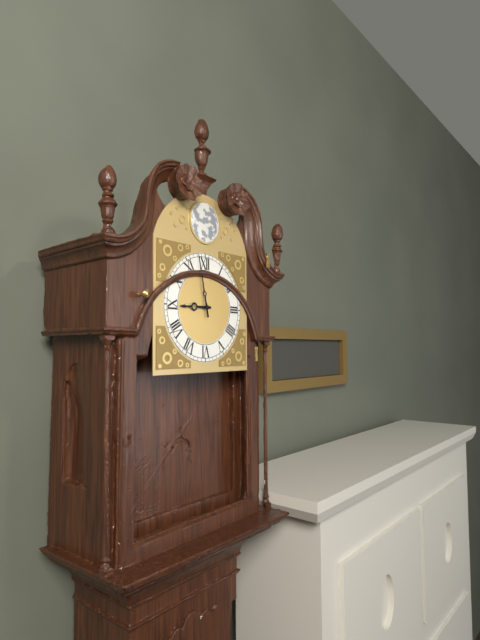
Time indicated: **8:58**
